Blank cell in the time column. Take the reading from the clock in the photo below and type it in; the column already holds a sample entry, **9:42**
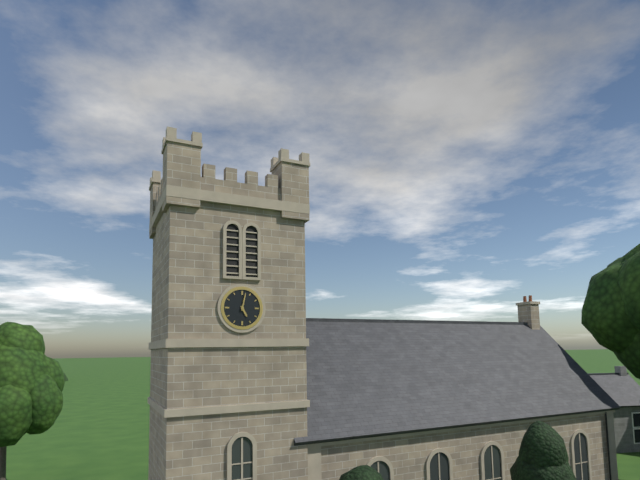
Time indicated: **5:02**
